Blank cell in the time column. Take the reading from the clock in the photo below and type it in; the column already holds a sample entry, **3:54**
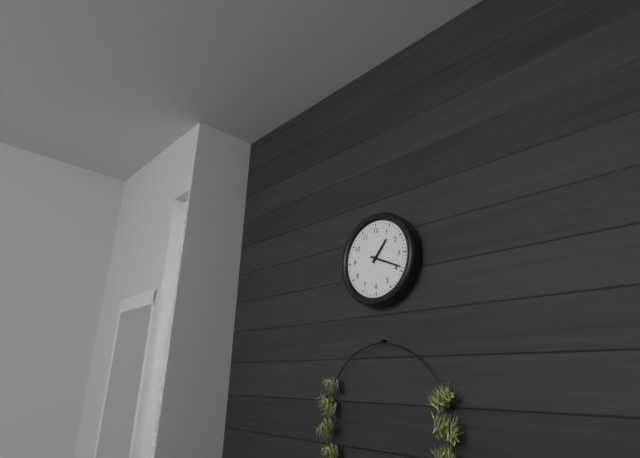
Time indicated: **1:19**
